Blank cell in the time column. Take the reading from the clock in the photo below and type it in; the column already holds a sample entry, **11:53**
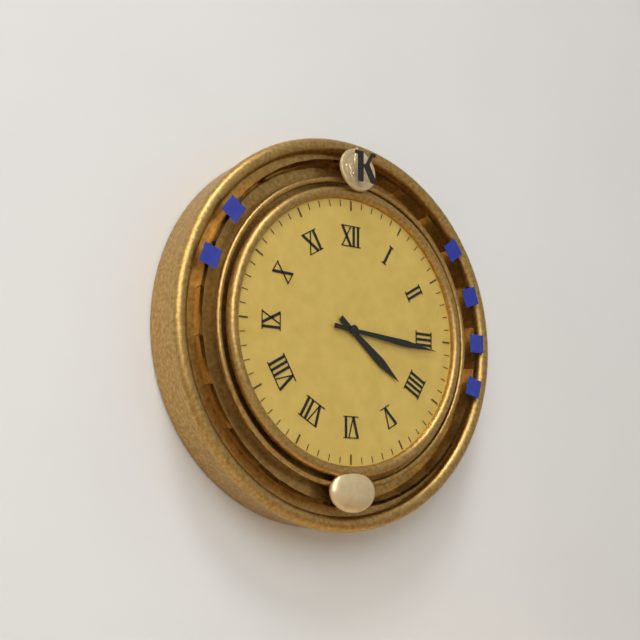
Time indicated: **4:16**
